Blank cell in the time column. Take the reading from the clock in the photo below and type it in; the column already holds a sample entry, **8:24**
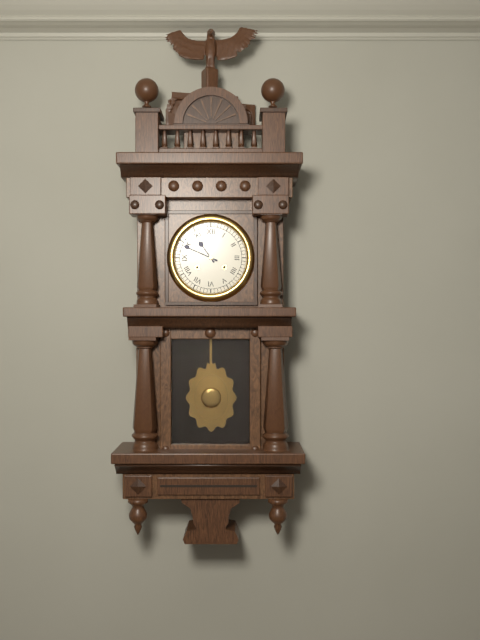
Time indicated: **10:49**
